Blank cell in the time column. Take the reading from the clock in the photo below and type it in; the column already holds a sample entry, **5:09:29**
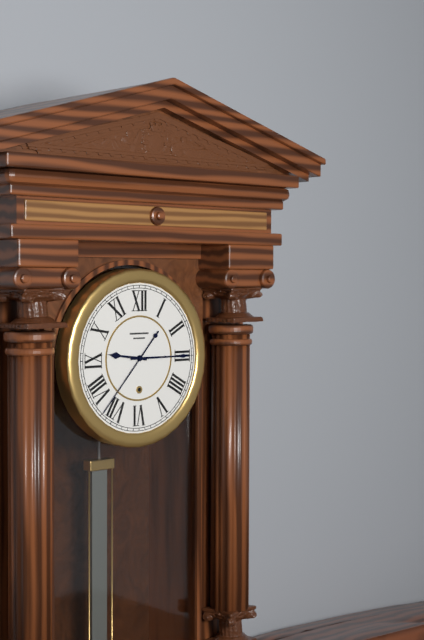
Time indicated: **9:15:37**
